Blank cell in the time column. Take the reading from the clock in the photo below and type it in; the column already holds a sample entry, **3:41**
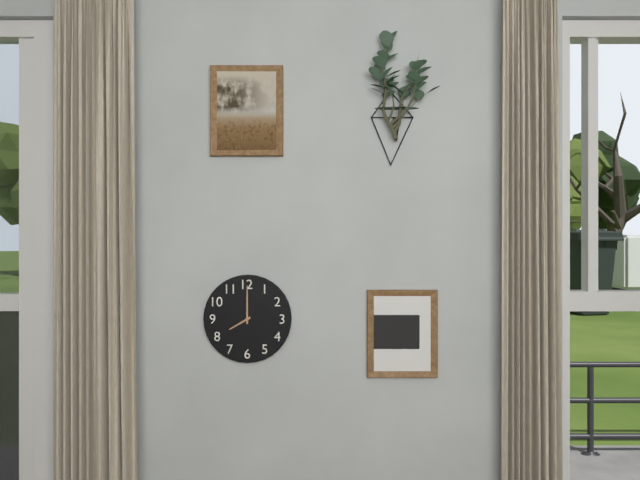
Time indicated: **8:00**
